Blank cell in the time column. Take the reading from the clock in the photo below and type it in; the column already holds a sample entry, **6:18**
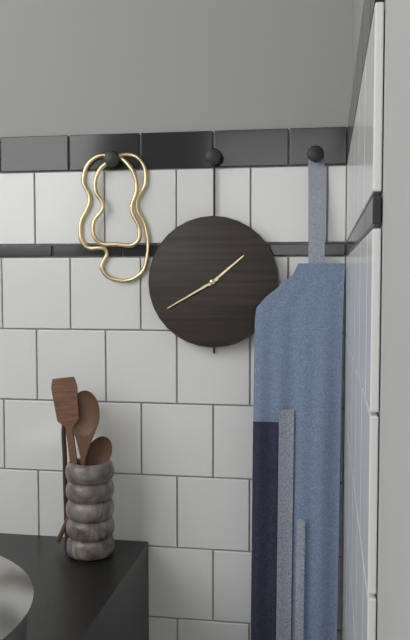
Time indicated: **1:40**
